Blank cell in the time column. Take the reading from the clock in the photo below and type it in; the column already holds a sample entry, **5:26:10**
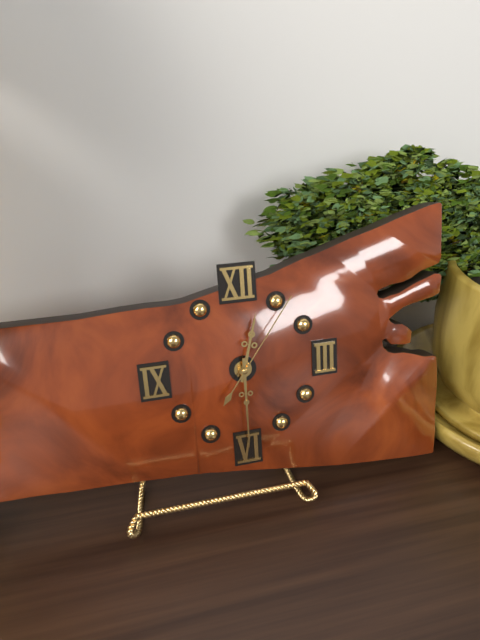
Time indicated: **12:30:06**
